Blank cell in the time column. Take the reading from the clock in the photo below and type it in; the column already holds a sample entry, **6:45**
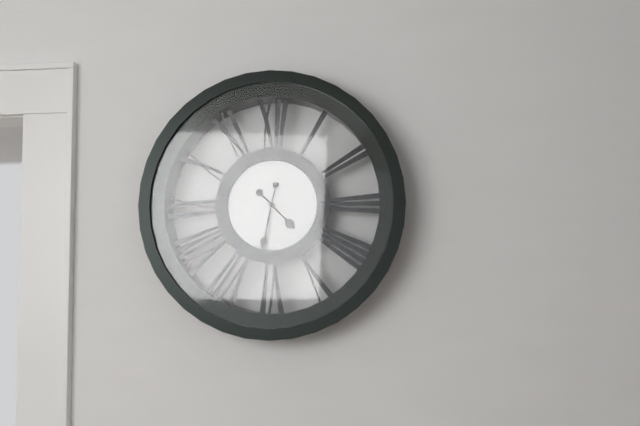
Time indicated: **4:32**
